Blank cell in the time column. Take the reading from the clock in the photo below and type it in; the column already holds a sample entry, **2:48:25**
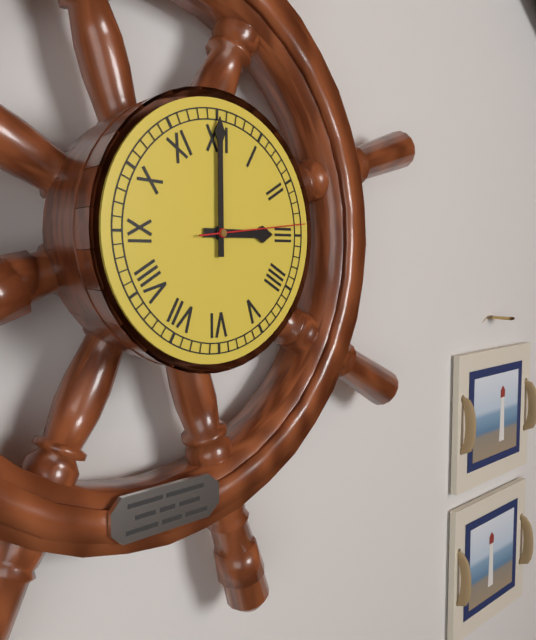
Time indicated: **3:00:14**
